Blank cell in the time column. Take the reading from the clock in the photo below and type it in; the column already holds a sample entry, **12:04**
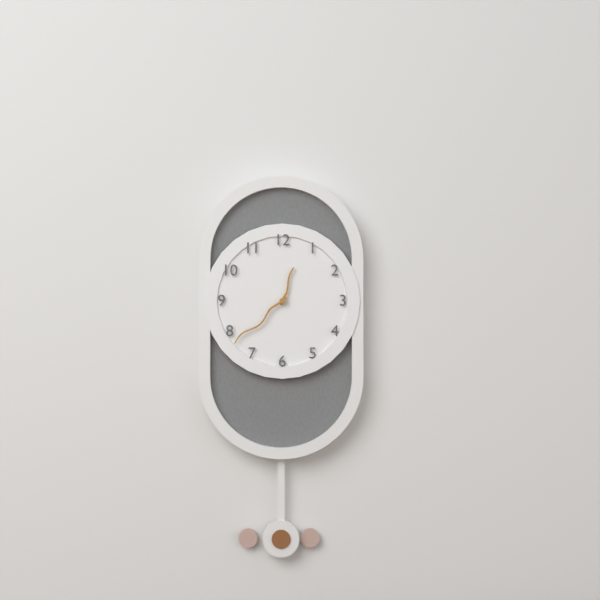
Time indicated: **12:38**
